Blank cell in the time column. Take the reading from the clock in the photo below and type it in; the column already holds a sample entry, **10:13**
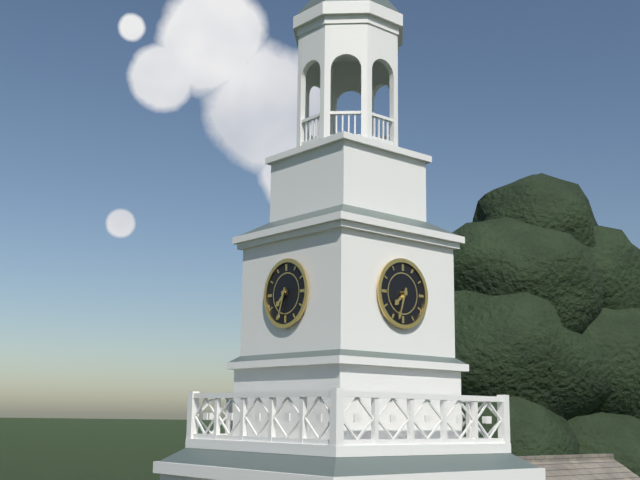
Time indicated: **7:33**
